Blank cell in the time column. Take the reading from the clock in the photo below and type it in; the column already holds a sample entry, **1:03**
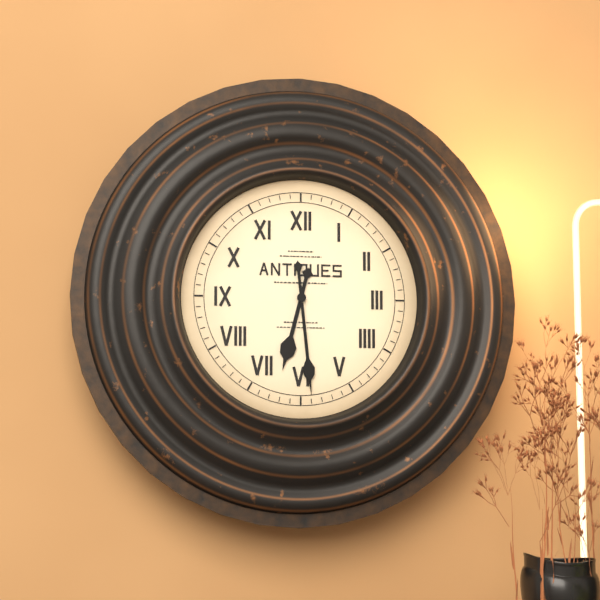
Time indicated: **6:29**
